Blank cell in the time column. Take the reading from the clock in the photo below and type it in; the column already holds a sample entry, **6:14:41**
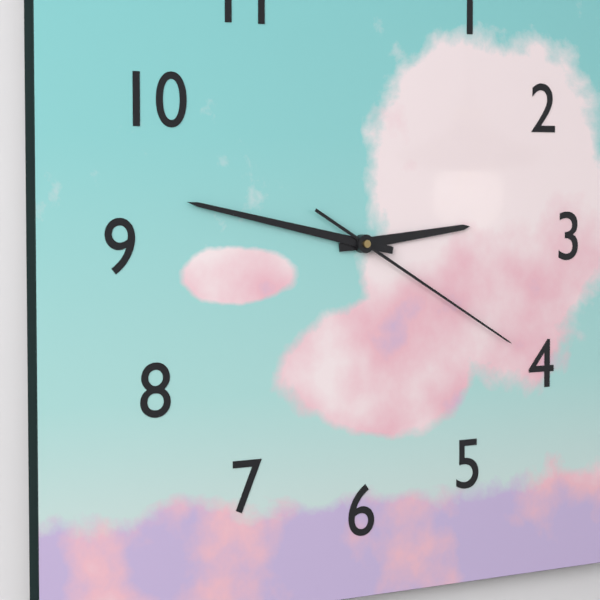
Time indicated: **2:47:20**
